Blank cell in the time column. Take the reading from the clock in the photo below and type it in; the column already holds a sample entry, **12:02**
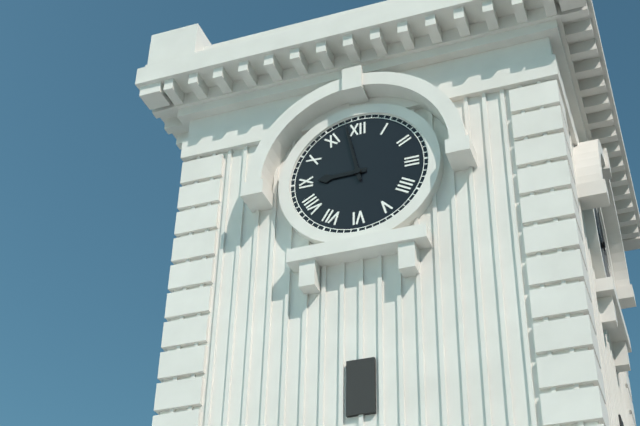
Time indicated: **8:58**
